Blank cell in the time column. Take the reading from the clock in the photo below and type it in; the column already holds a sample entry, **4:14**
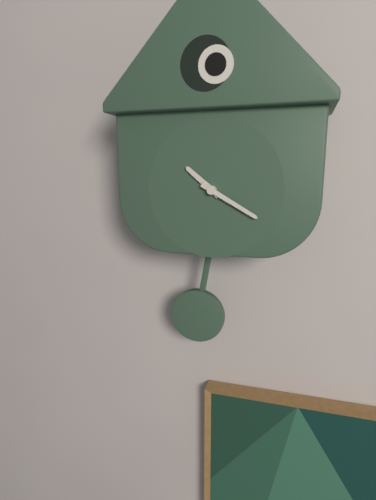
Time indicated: **10:20**
